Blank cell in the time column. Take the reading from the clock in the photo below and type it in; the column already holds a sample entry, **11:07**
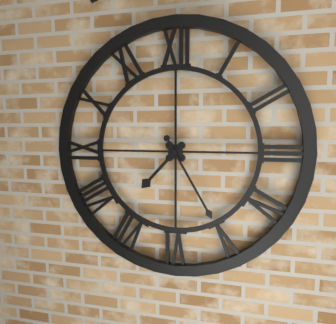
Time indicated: **7:25**
